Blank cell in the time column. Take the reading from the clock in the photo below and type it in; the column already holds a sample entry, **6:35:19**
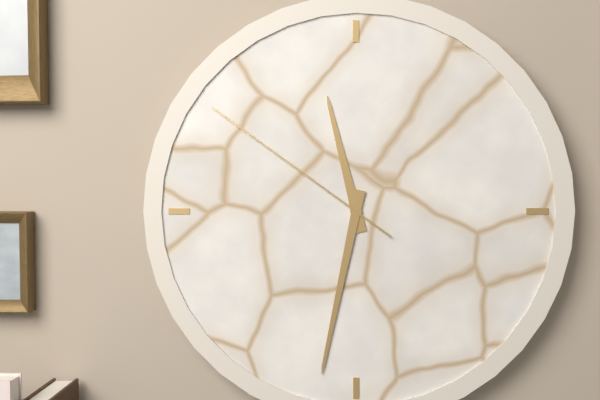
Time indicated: **11:32:51**
